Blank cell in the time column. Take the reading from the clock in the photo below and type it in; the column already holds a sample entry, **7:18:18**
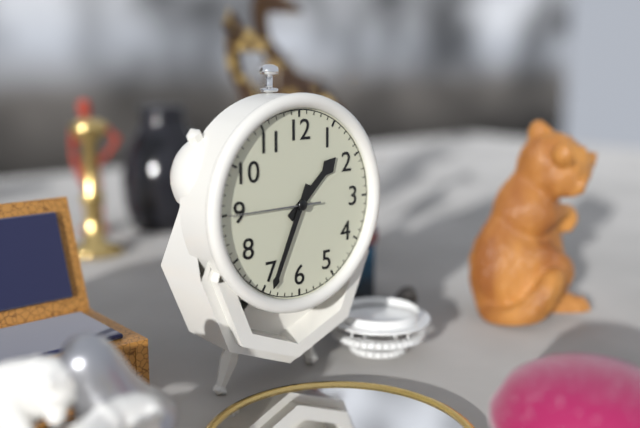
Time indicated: **1:34:45**
